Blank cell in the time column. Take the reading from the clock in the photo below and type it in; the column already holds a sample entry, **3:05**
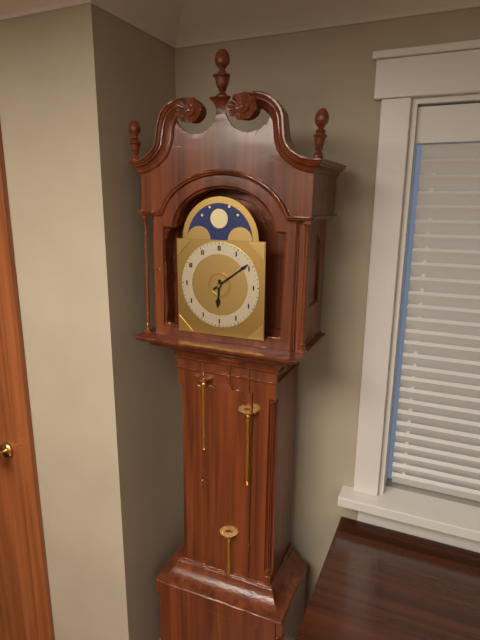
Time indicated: **6:09**
